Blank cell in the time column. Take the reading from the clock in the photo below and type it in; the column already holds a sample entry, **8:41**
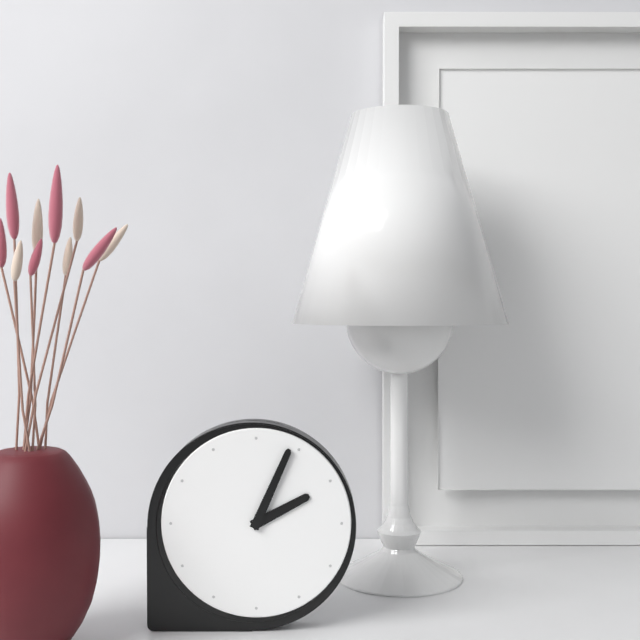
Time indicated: **2:04**
